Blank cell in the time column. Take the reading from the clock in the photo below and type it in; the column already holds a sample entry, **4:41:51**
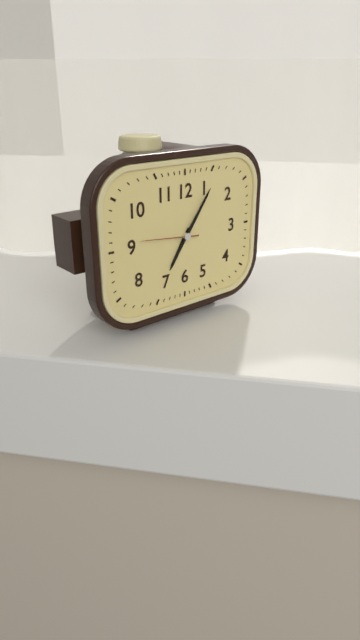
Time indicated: **7:06:46**
